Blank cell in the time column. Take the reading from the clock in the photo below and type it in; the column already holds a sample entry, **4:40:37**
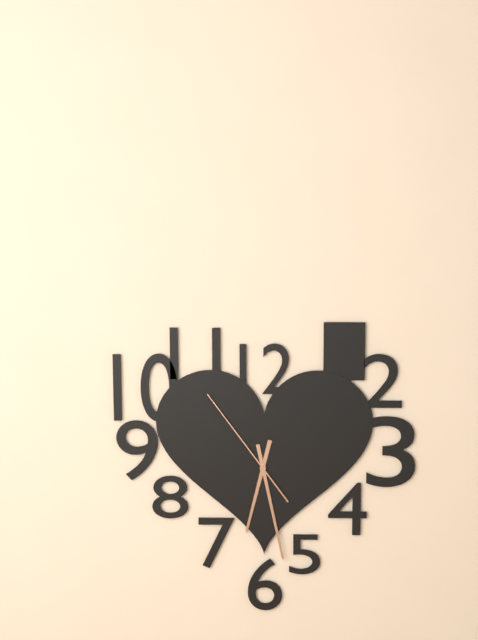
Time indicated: **6:28:54**
